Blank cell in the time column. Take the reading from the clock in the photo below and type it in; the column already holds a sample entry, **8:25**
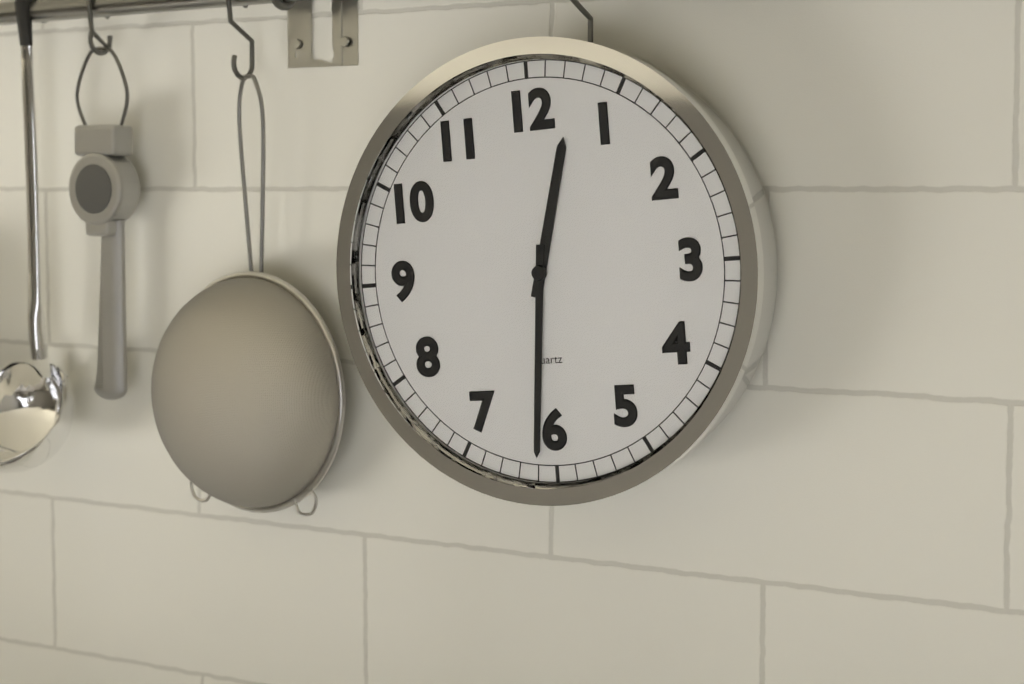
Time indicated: **12:31**
